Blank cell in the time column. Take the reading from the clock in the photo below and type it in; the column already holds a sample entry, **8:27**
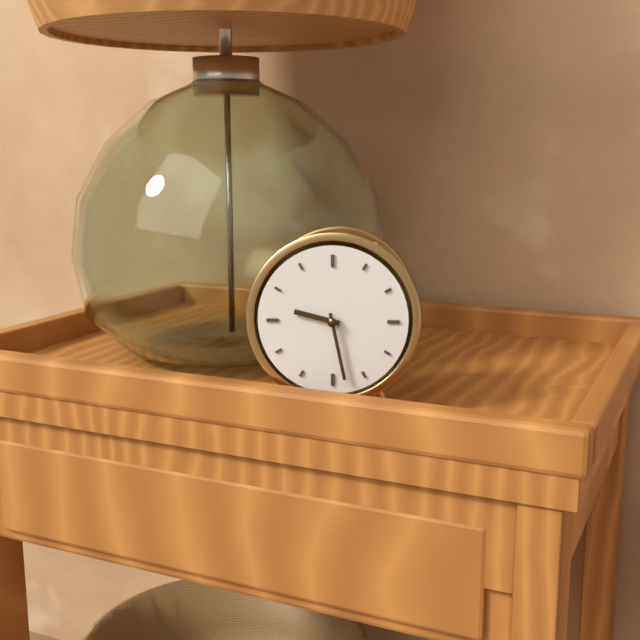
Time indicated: **9:28**
